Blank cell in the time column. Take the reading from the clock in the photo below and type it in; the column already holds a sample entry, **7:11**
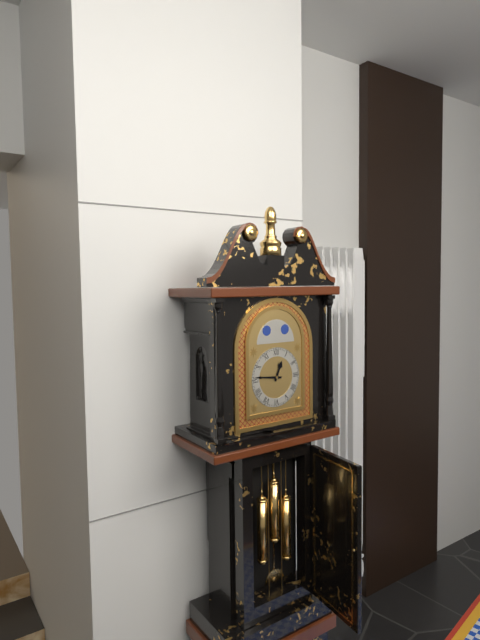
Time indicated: **12:46**
